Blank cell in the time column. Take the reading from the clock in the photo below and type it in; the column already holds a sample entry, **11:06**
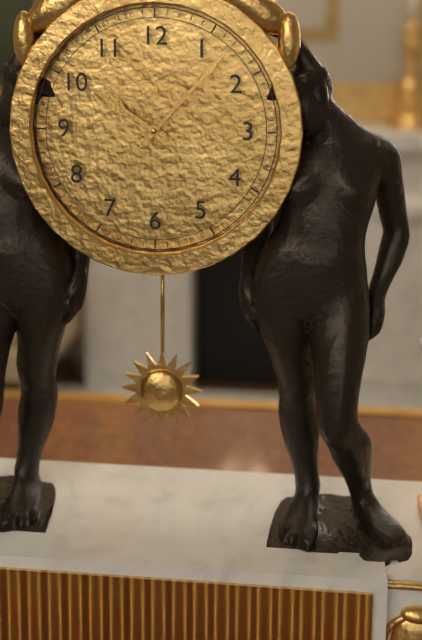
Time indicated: **10:07**
